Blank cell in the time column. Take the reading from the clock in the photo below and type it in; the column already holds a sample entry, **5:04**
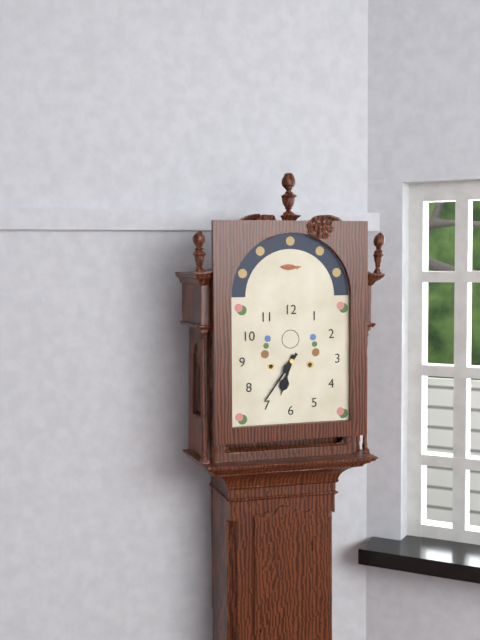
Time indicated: **6:36**
